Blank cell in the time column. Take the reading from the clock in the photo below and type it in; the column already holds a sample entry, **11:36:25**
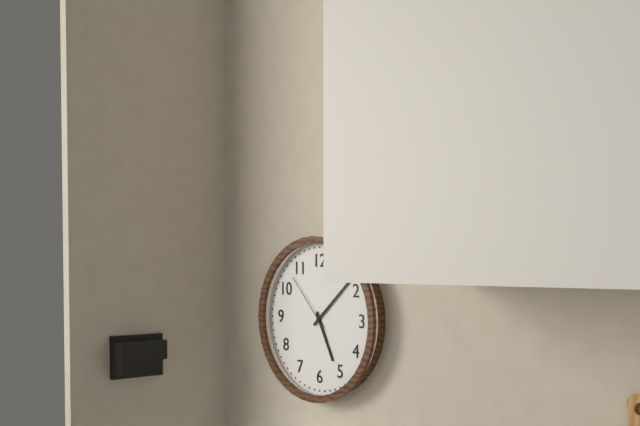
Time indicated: **5:08:53**
